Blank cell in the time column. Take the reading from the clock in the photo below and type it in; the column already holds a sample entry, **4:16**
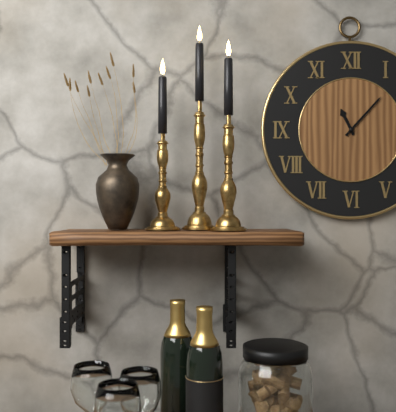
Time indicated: **11:07**
